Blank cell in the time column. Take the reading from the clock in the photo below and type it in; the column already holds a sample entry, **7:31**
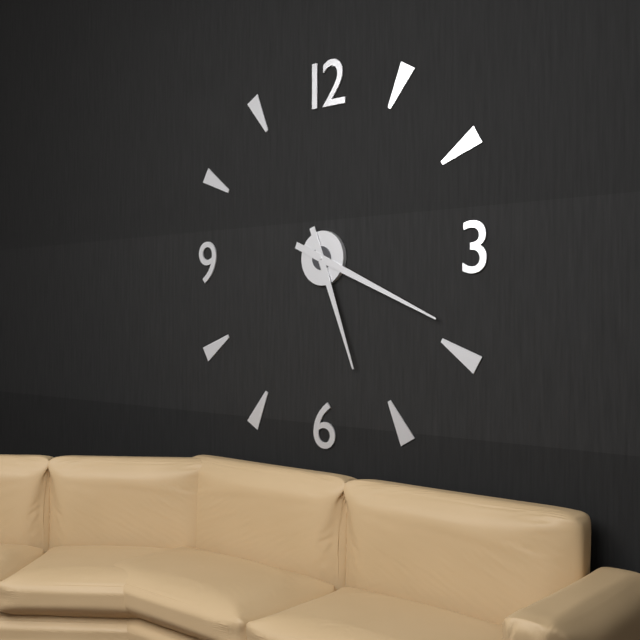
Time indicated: **5:19**
